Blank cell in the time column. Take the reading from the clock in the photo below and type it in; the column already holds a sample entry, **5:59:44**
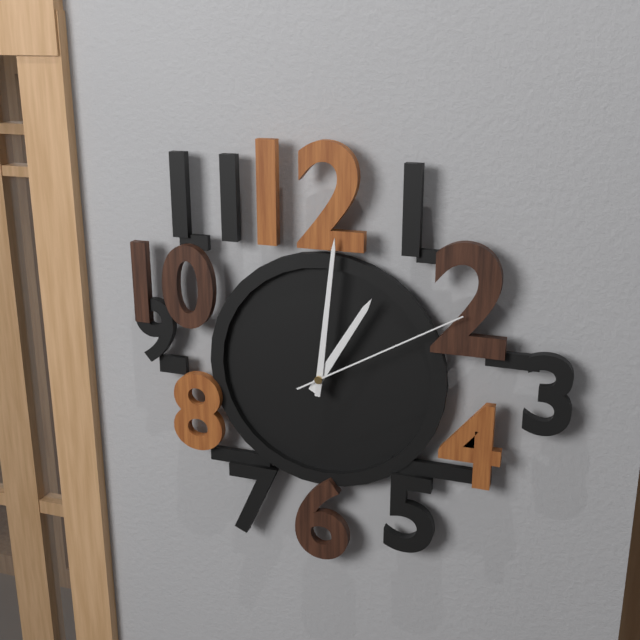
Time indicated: **1:01:10**
